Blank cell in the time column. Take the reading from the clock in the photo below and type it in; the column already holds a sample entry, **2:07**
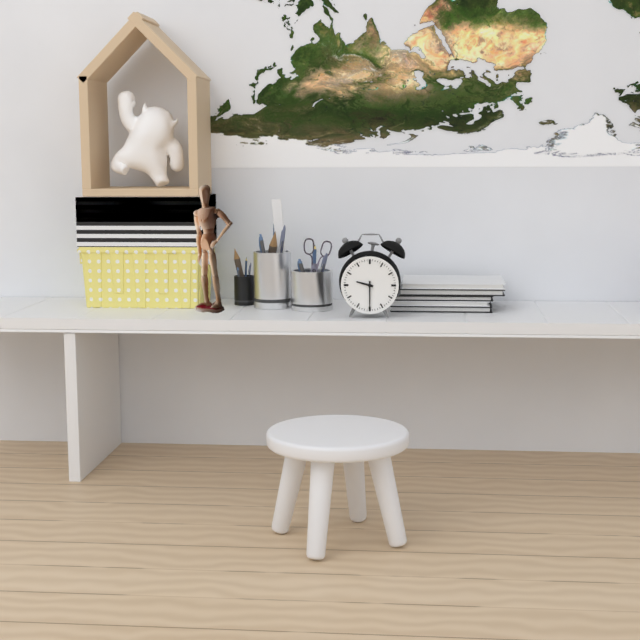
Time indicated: **9:30**
